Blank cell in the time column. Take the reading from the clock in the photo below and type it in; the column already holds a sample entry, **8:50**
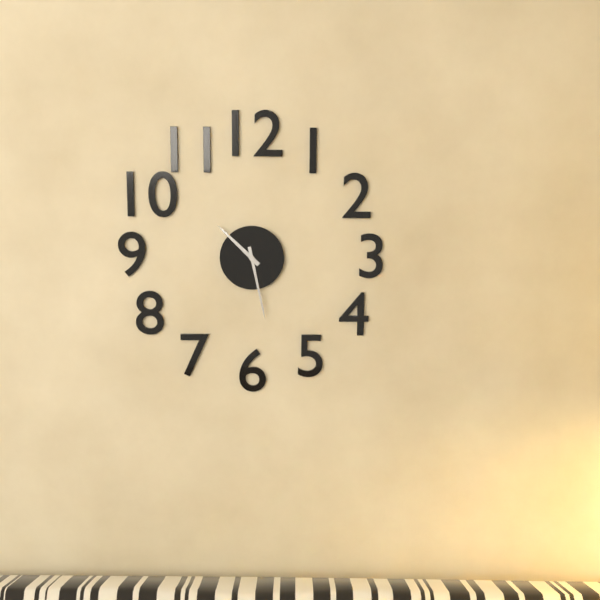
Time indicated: **10:28**
